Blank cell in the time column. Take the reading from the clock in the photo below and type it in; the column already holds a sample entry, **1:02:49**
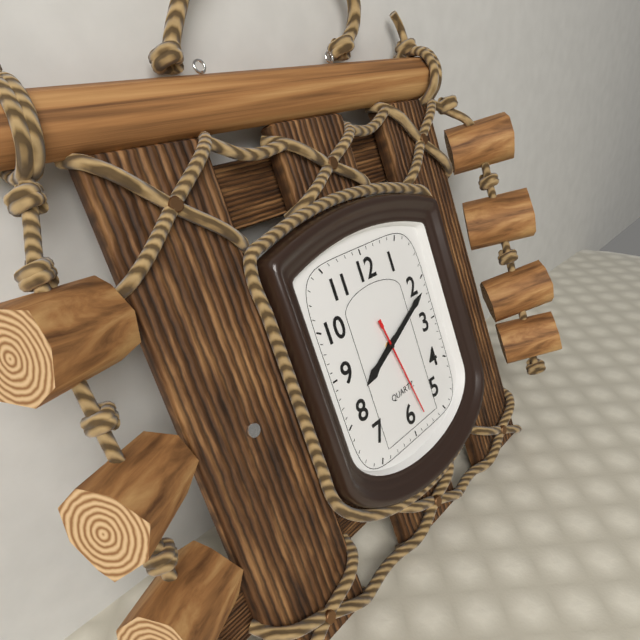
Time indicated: **8:11:28**
